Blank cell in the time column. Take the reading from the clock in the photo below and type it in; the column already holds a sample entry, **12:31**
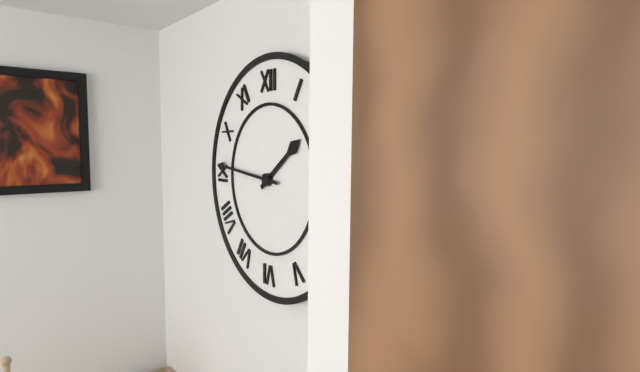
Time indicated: **1:46**
